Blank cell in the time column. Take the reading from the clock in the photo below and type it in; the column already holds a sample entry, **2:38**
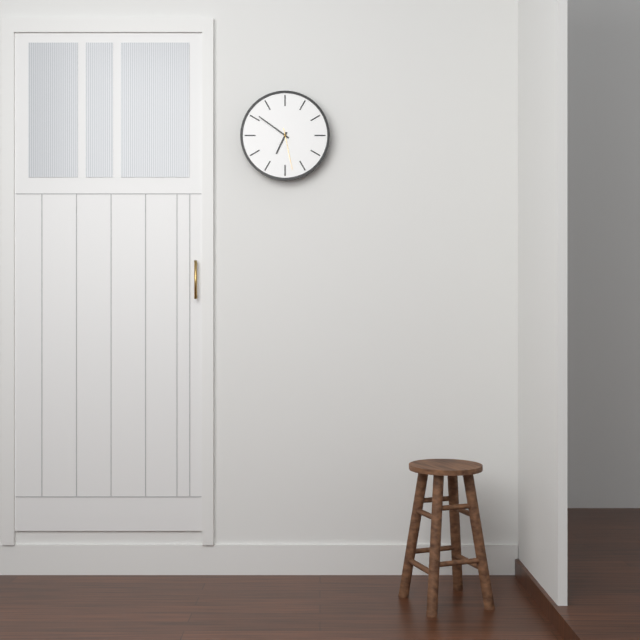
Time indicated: **6:51**
